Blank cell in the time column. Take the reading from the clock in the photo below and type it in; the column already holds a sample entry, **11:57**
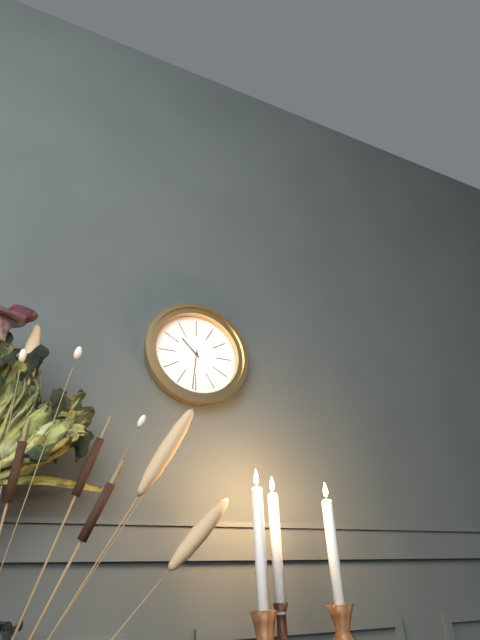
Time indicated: **10:31**
